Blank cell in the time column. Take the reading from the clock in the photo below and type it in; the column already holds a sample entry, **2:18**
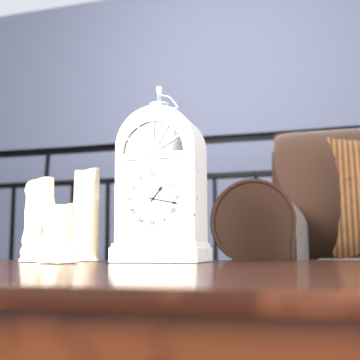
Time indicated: **1:17**
